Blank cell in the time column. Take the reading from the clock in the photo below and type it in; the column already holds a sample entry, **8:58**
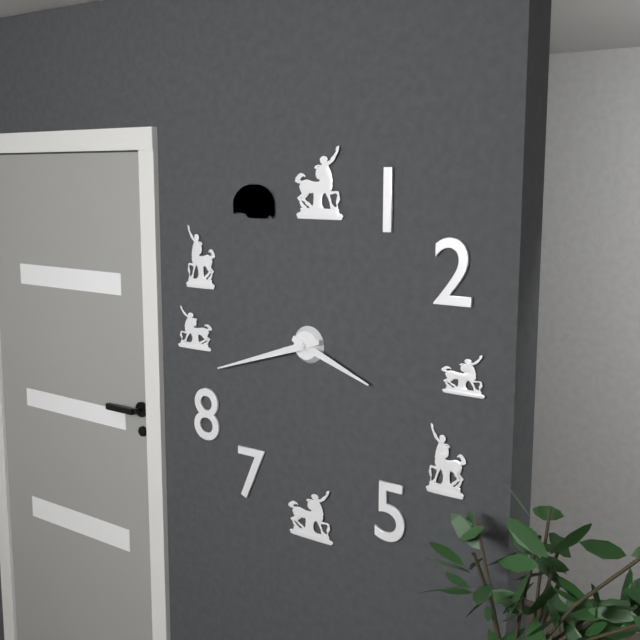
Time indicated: **3:42**
